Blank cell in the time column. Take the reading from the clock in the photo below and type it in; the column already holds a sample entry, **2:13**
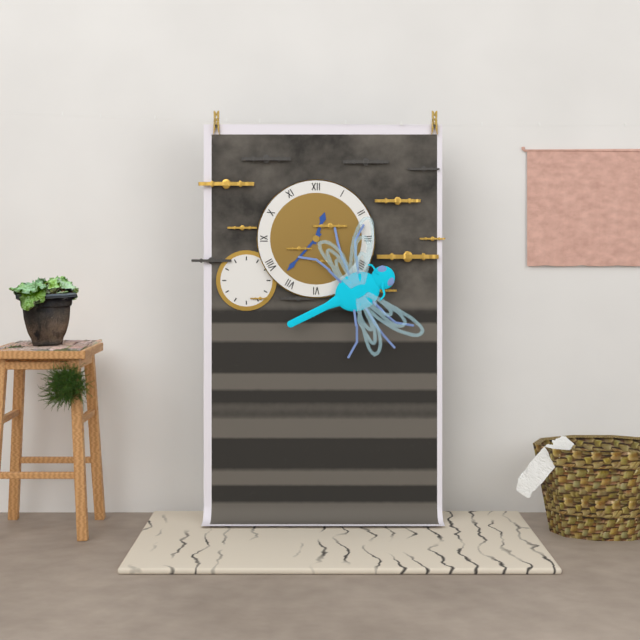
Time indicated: **12:37**
